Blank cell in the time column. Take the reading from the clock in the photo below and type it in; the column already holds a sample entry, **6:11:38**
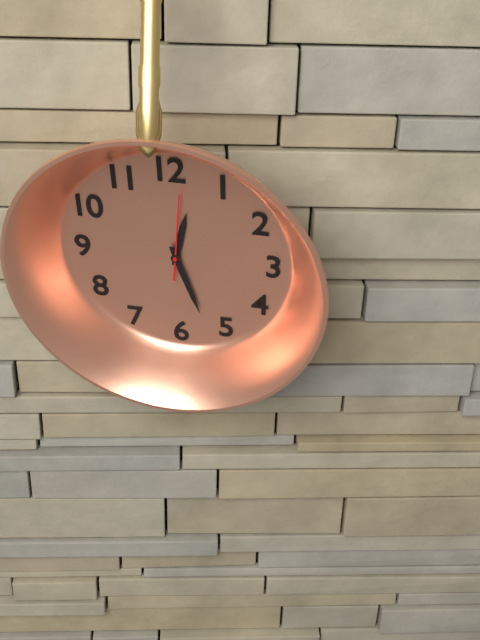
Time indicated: **12:27:01**
